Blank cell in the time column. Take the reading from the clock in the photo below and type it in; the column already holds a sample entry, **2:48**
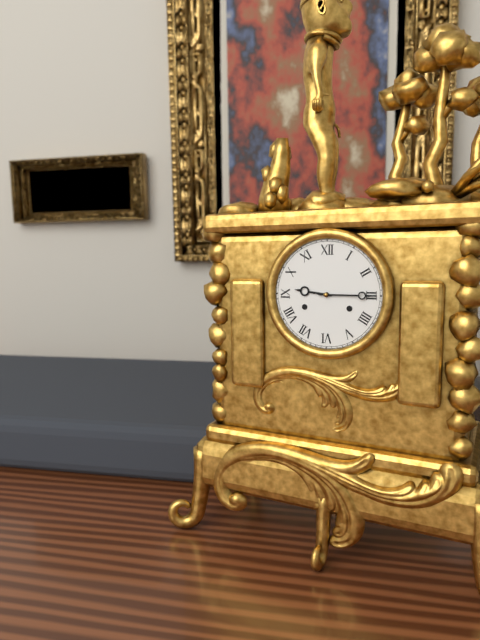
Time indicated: **9:15**
